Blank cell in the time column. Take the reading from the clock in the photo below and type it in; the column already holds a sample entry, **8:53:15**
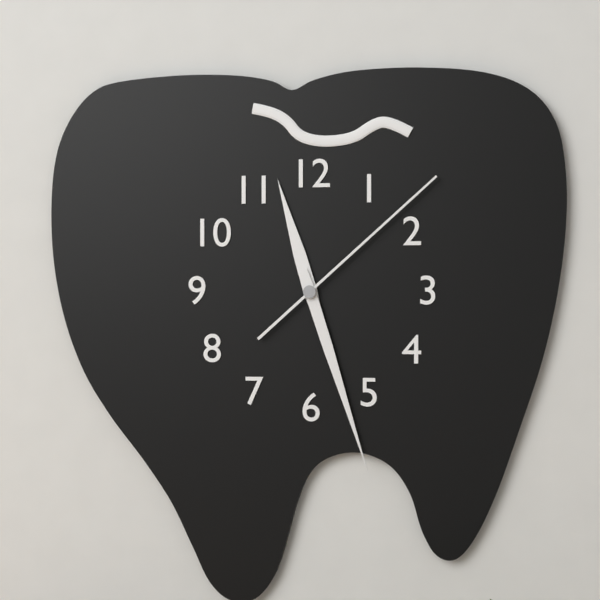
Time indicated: **11:27:08**
